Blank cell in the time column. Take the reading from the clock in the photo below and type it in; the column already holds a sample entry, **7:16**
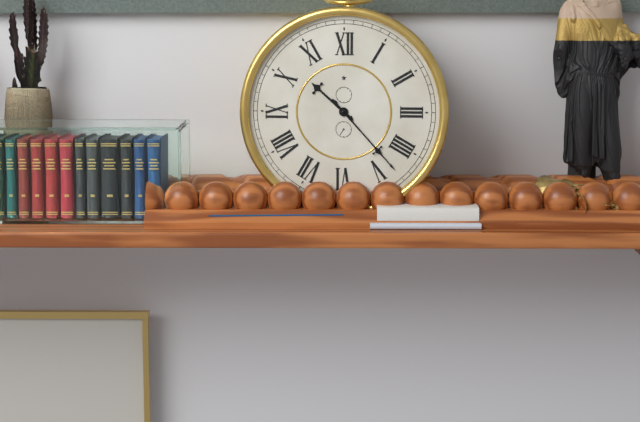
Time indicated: **10:23**
